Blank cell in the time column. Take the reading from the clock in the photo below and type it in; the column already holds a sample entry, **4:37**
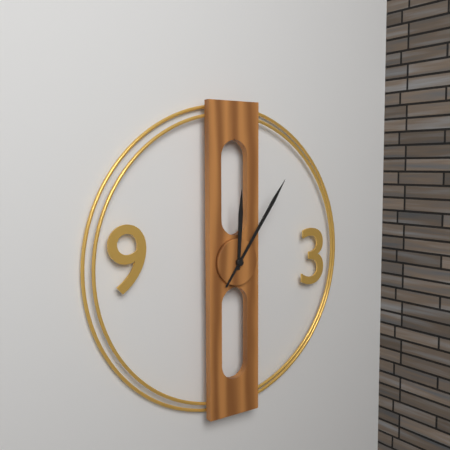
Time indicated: **12:06**
